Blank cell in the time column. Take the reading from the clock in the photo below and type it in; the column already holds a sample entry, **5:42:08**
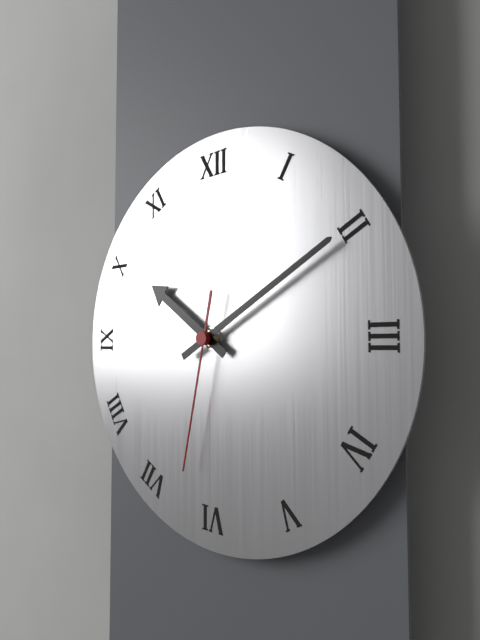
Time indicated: **10:10:32**
